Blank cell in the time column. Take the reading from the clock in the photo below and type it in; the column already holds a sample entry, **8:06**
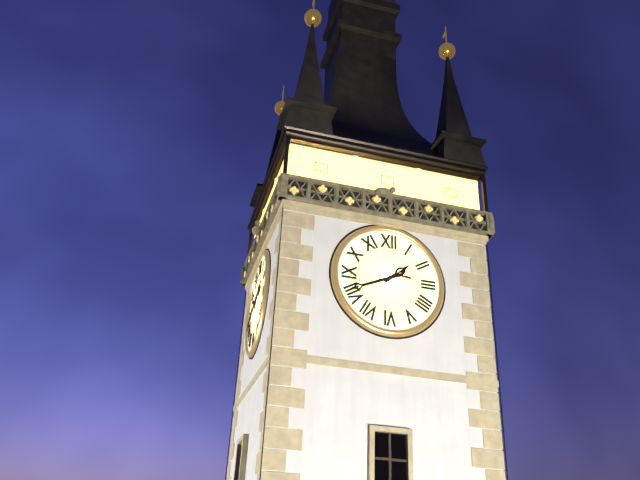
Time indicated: **1:41**
